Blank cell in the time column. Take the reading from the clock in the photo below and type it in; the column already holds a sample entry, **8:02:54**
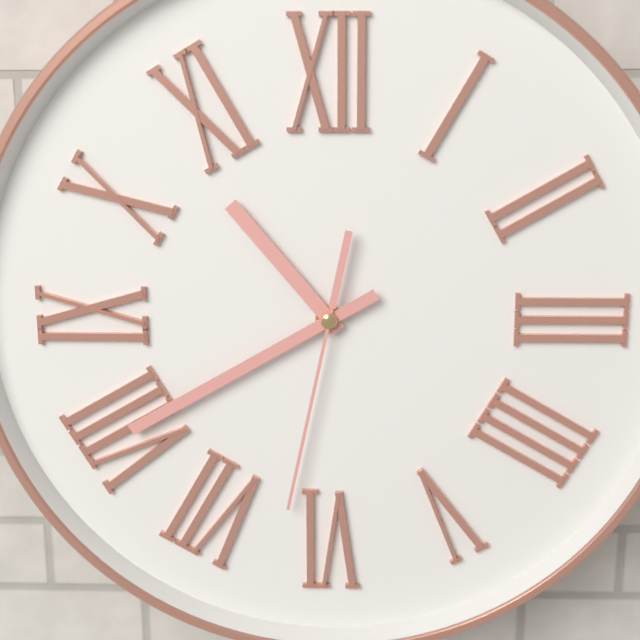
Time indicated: **10:40:32**
